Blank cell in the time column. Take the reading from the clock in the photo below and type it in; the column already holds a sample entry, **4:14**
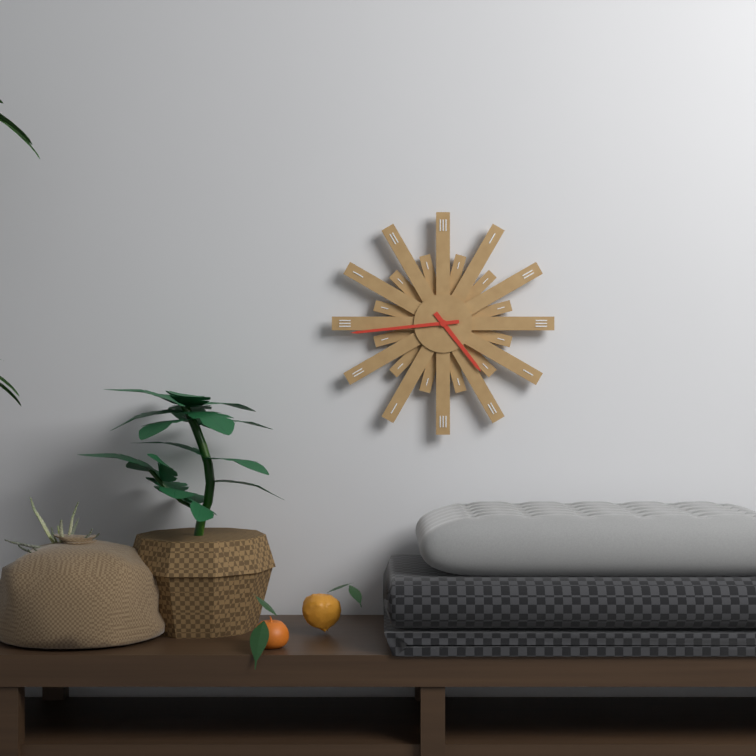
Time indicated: **4:44**
